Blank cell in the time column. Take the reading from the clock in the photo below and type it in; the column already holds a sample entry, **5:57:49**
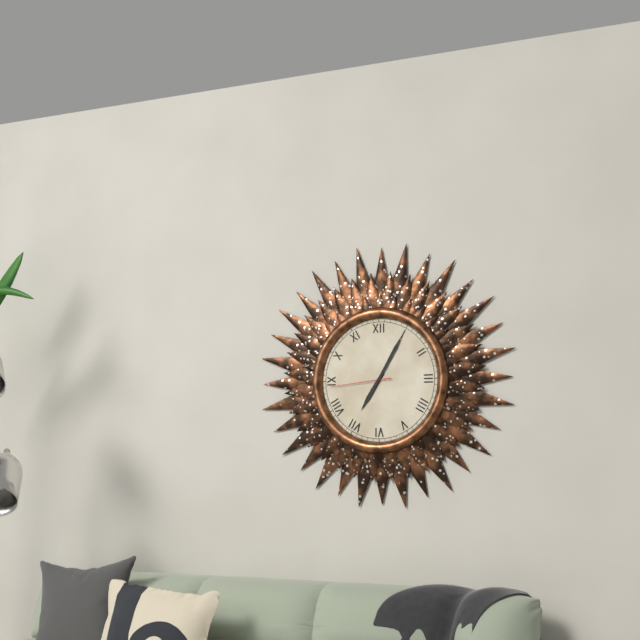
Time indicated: **7:05:44**
